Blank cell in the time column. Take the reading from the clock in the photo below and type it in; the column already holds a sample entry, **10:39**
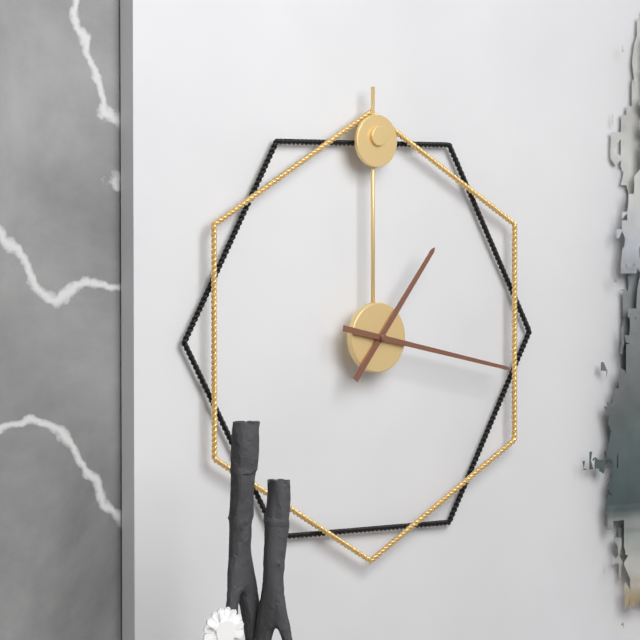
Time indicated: **1:17**
